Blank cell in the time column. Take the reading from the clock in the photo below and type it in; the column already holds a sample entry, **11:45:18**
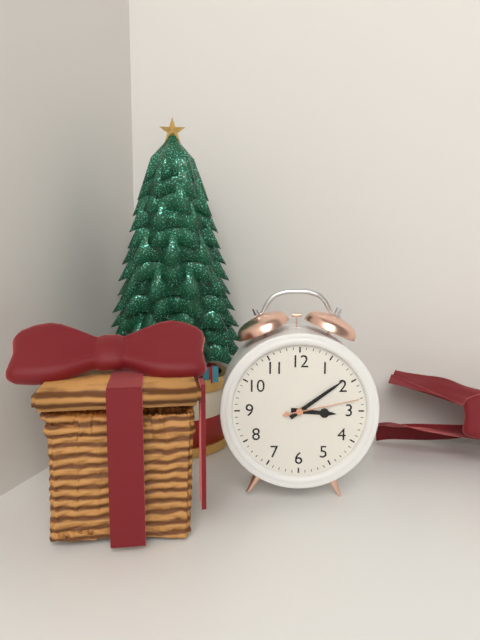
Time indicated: **3:09:13**
